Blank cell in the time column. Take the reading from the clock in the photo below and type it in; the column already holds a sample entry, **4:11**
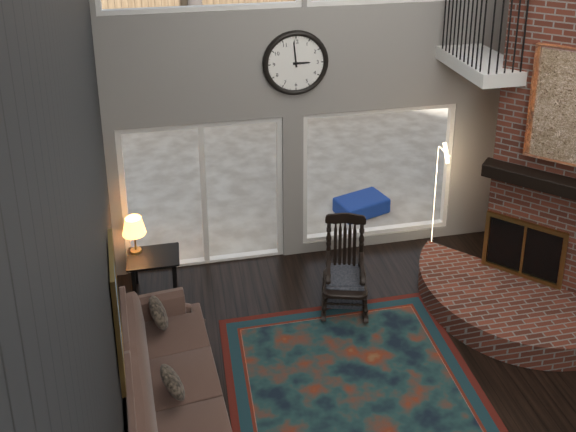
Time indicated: **2:59**
